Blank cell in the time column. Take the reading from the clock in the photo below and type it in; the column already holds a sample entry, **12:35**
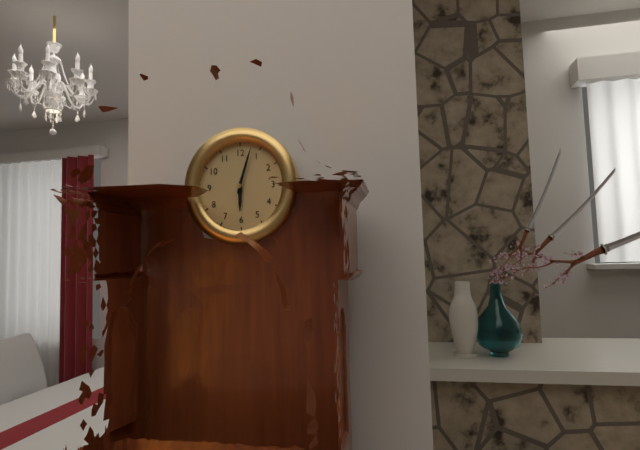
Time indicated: **6:03**
